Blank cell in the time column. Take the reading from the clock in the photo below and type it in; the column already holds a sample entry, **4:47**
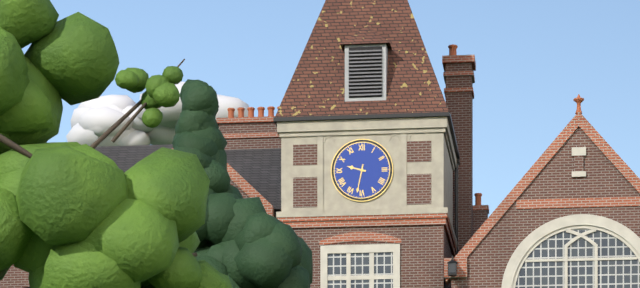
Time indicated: **9:32**
